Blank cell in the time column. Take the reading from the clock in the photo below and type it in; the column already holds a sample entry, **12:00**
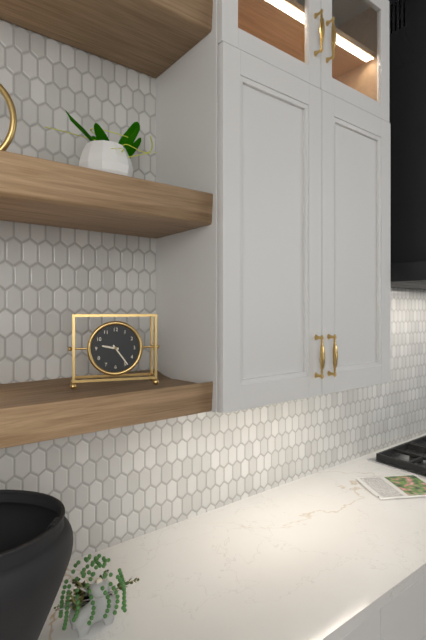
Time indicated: **9:24**
